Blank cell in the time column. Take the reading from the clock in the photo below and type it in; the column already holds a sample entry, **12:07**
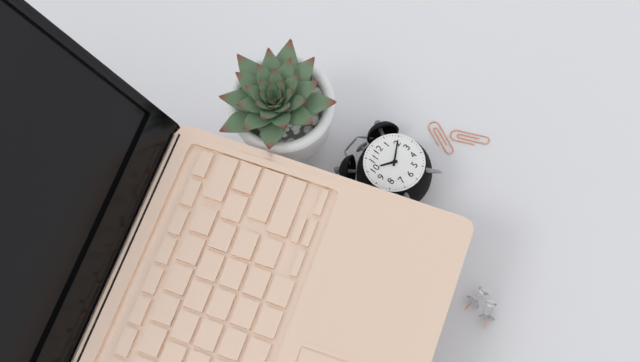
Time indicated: **10:10**
